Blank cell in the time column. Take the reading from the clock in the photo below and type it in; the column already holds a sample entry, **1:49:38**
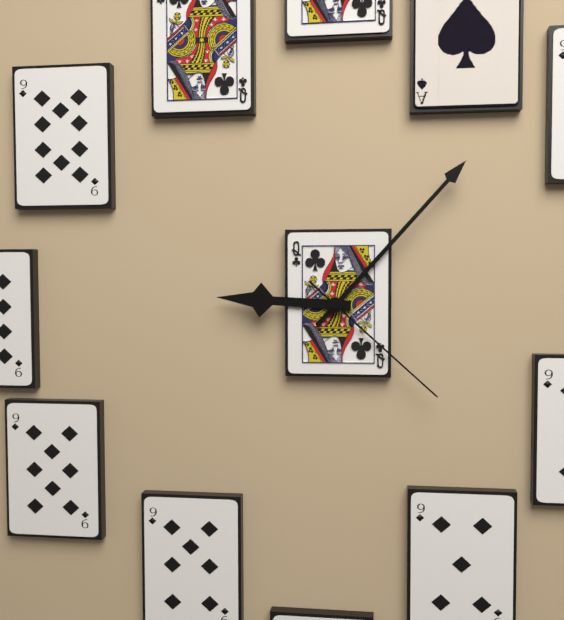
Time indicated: **9:07:22**
